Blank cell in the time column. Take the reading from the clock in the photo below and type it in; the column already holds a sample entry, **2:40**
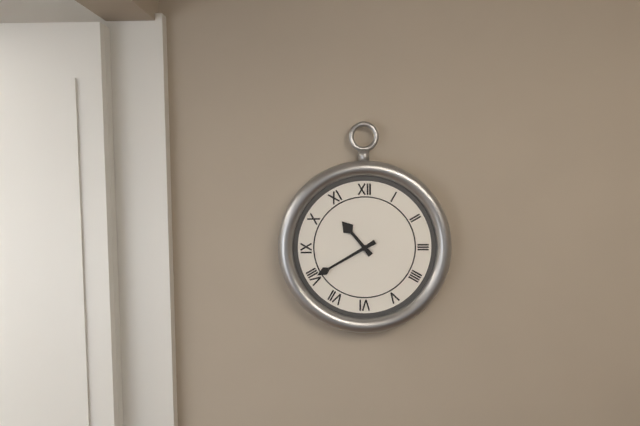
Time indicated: **10:40**
